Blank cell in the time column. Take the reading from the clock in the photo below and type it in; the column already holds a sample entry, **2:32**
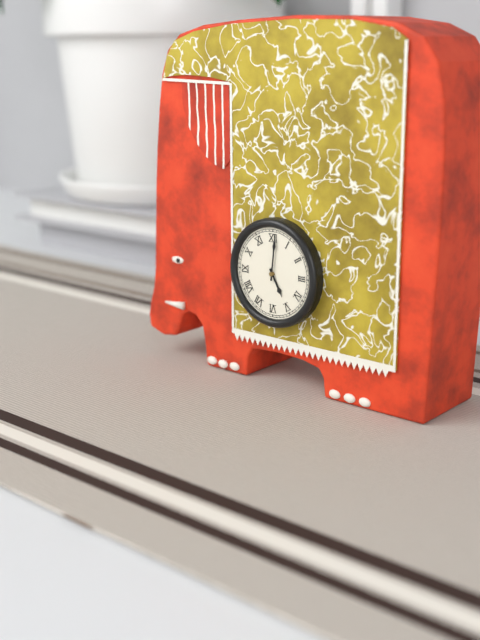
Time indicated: **5:01**
